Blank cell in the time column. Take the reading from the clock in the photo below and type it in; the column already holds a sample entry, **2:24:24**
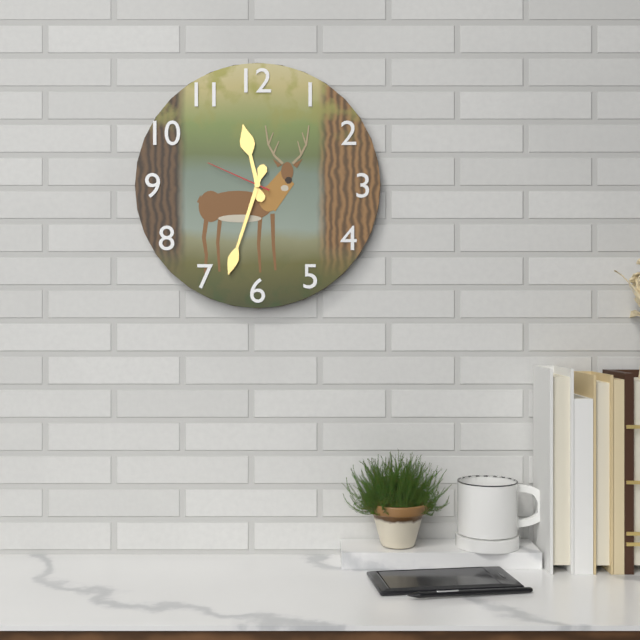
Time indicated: **11:33:49**
